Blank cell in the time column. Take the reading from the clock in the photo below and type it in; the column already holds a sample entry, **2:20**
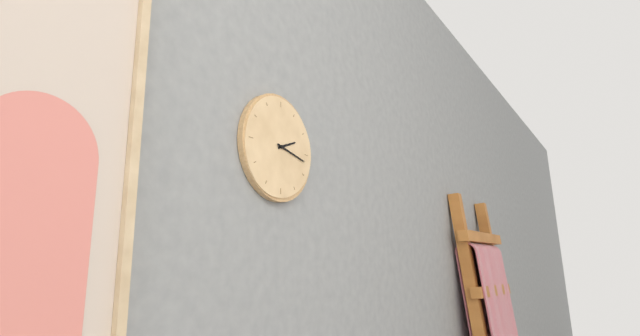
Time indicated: **2:17**
